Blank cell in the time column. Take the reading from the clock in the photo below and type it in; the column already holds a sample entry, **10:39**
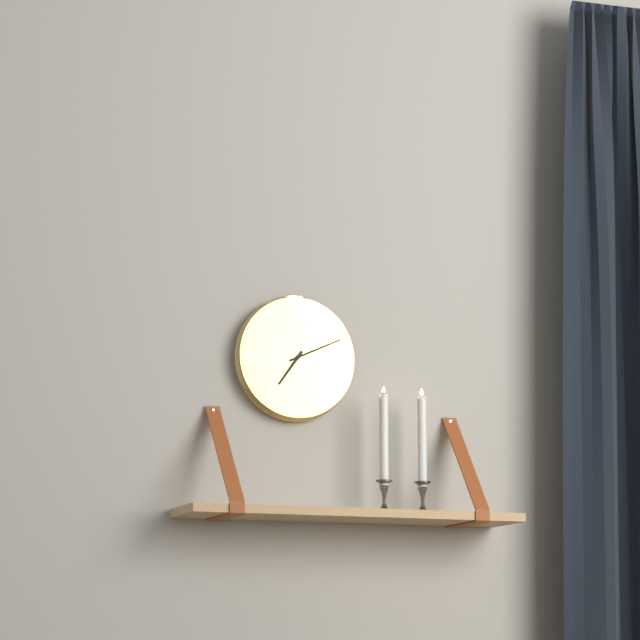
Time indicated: **7:11**
